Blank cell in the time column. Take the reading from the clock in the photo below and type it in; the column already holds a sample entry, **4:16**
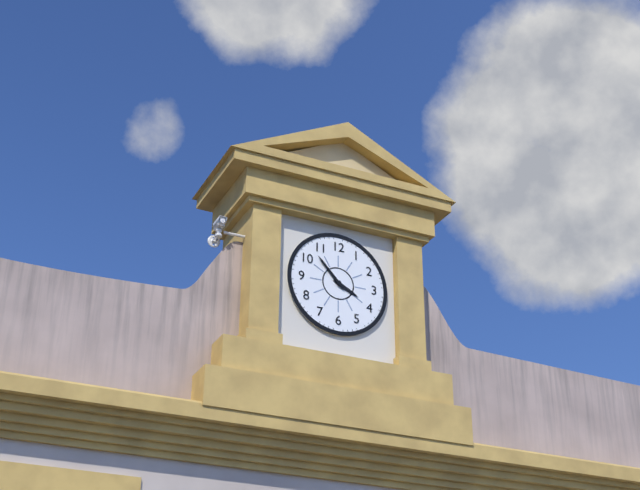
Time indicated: **3:53**
